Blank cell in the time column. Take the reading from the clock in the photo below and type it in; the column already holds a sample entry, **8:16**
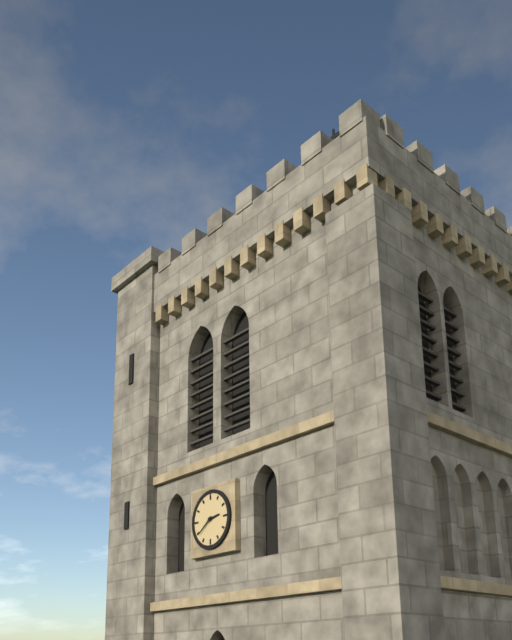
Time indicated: **2:39**
